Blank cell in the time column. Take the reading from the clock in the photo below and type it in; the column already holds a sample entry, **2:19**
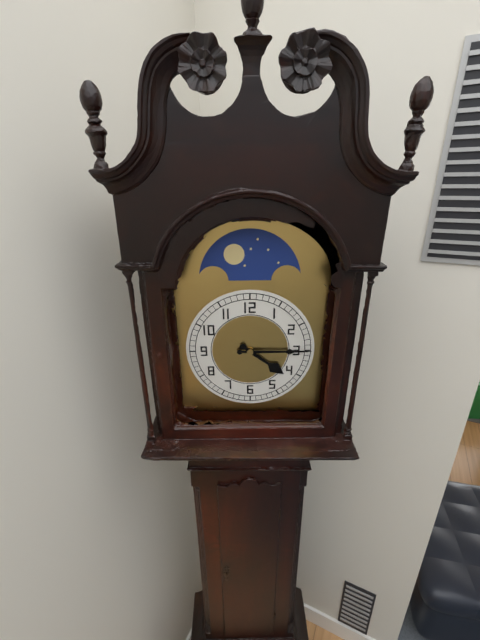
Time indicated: **4:15**
